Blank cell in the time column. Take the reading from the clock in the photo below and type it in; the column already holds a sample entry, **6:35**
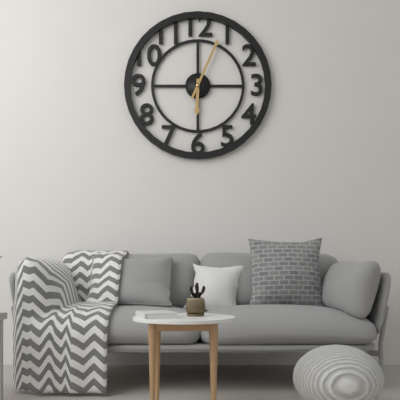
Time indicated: **6:04**
